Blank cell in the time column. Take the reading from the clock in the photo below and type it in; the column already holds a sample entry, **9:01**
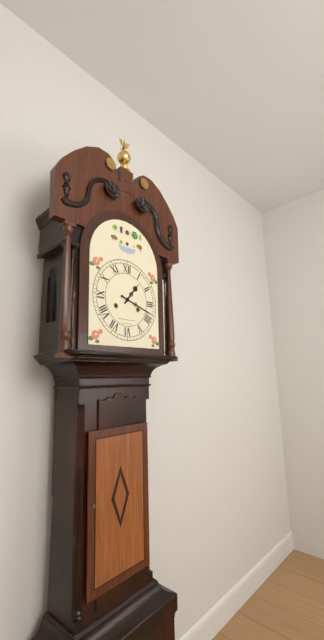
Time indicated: **1:18**
